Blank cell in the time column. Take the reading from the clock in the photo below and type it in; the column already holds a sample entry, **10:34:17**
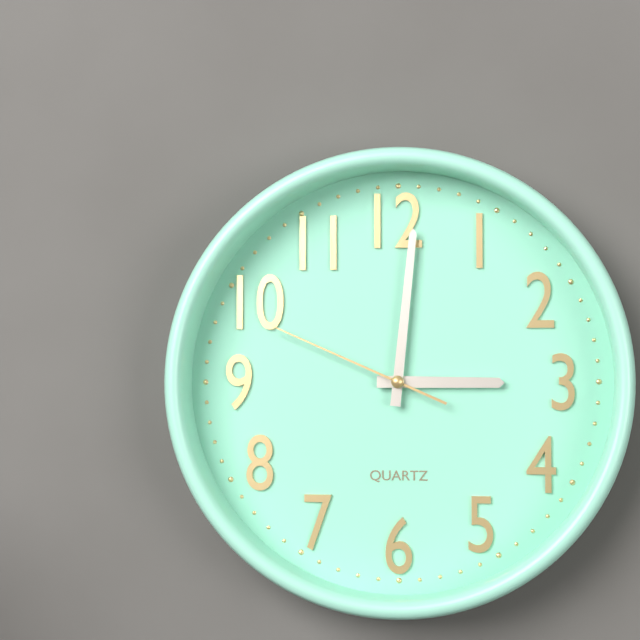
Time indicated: **3:01:49**
